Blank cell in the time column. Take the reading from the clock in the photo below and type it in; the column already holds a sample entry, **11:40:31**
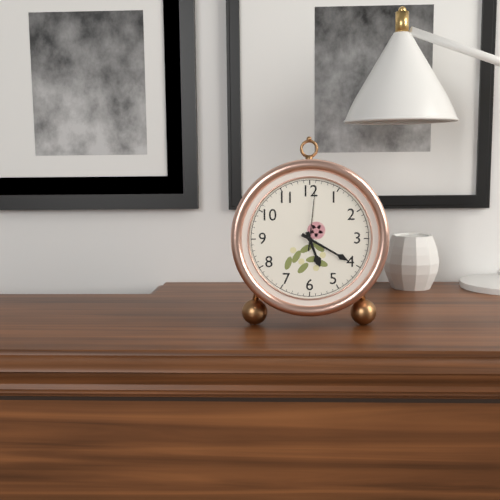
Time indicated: **5:20:01**
